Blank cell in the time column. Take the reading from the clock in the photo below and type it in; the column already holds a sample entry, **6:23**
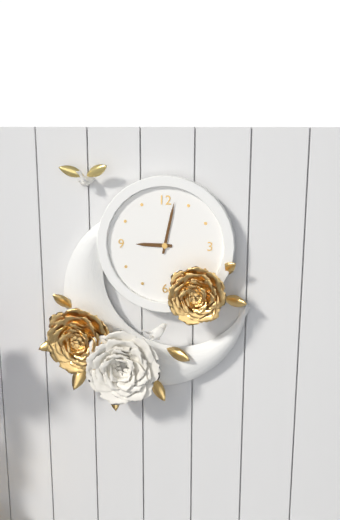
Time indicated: **9:02**
